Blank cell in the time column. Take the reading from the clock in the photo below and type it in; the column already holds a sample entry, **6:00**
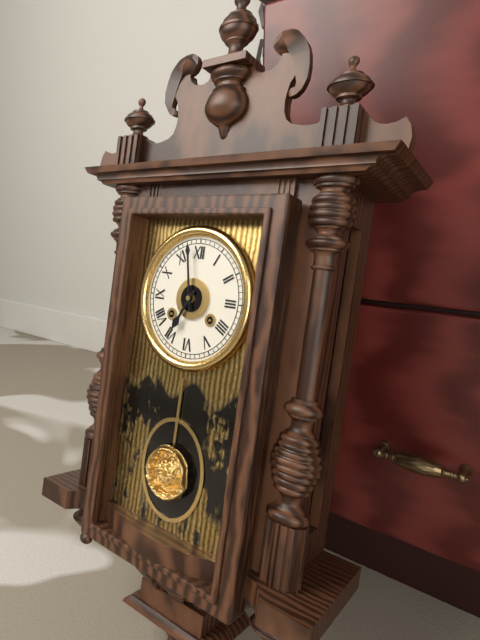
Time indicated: **6:58**
